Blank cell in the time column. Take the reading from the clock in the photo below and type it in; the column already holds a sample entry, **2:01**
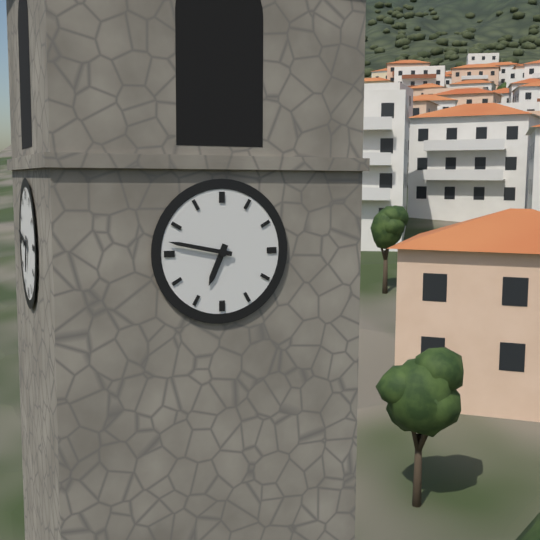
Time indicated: **6:47**
